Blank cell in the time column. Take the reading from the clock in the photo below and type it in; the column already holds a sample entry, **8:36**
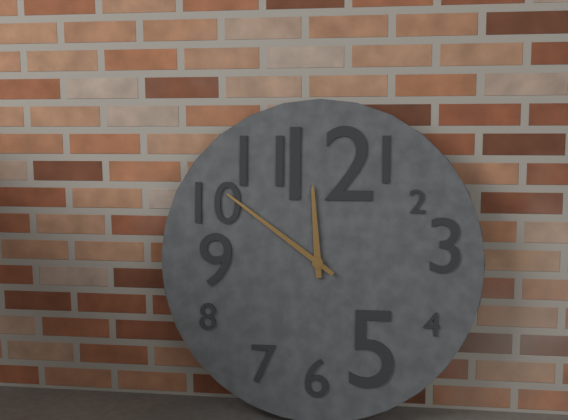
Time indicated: **11:51**
